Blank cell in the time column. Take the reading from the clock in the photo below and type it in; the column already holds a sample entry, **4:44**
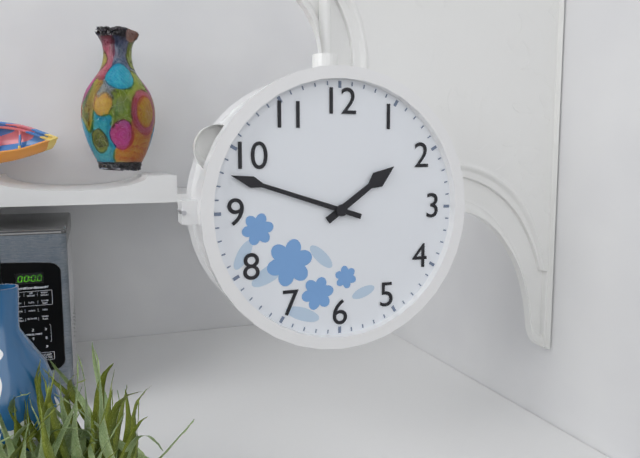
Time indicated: **1:48**
